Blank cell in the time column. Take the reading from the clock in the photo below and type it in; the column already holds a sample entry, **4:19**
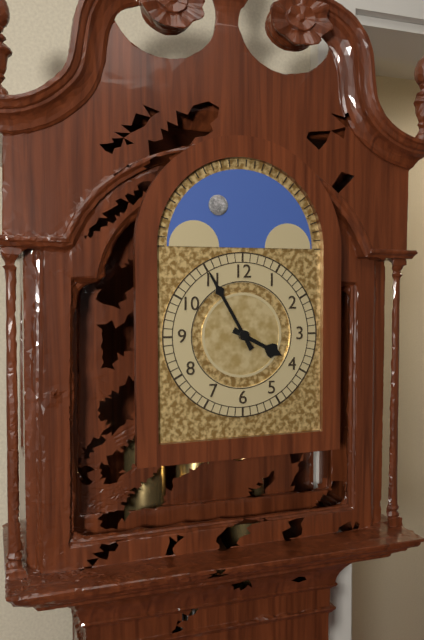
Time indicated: **3:55**
